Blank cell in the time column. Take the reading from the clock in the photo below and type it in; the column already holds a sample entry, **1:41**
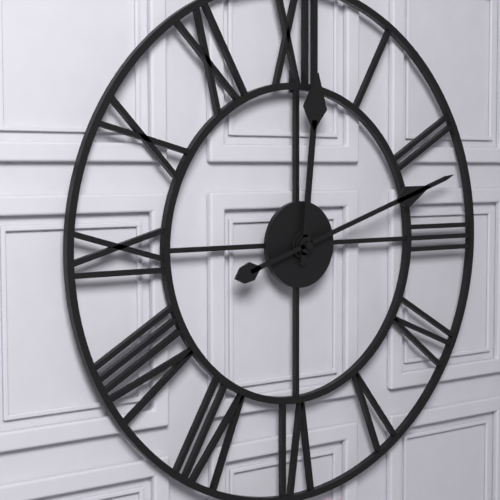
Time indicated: **12:12**
